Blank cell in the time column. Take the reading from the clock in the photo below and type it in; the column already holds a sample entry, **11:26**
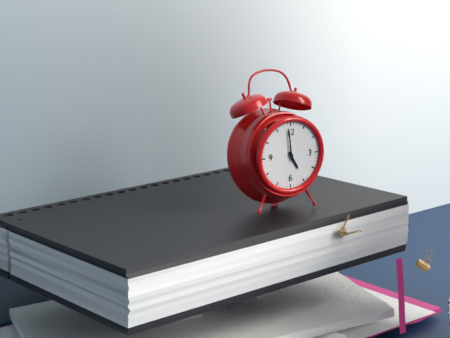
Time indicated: **4:59**
